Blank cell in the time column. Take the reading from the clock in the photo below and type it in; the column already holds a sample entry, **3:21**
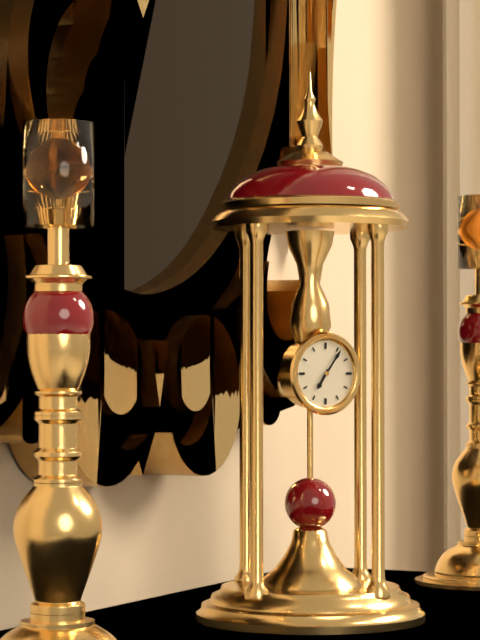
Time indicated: **7:06**
